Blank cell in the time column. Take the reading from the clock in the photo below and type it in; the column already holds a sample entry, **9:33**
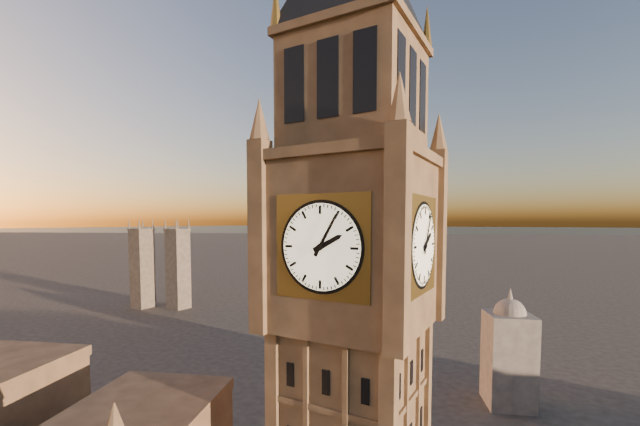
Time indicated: **2:05**
